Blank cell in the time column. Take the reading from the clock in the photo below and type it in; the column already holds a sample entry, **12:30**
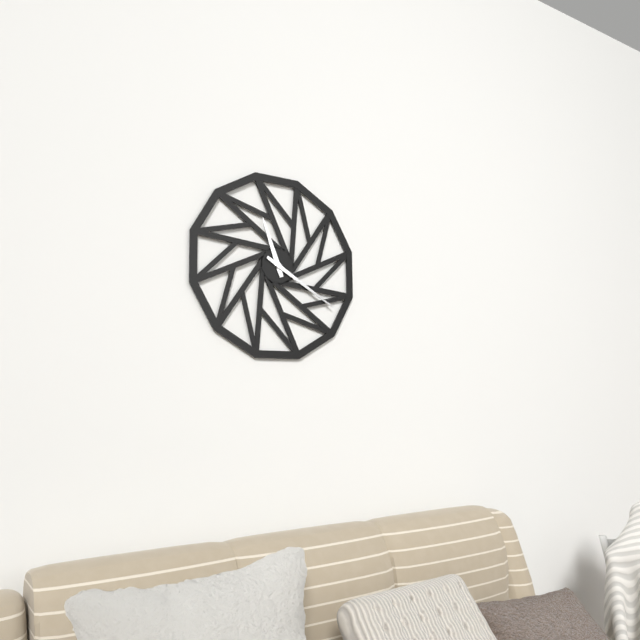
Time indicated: **11:20**
